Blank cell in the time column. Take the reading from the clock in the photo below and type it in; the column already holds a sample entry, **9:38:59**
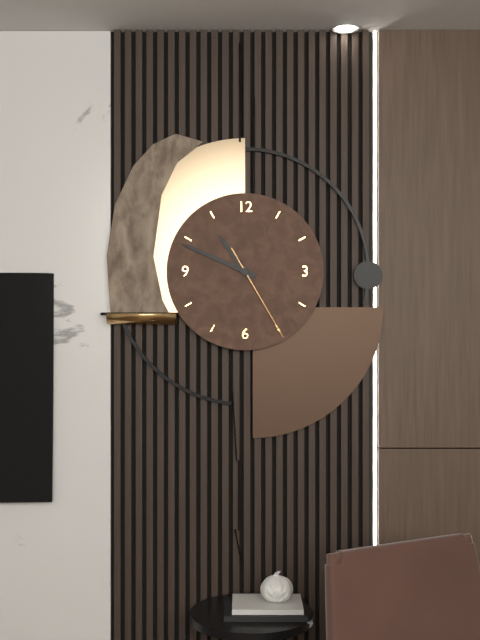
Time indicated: **10:49:25**
